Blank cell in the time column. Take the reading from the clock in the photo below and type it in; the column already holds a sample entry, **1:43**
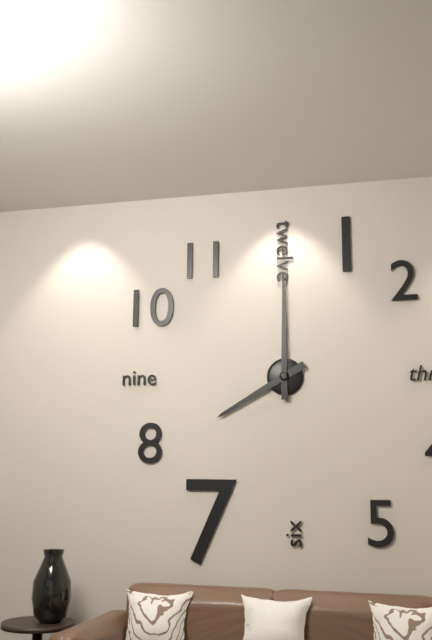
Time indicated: **8:00**
